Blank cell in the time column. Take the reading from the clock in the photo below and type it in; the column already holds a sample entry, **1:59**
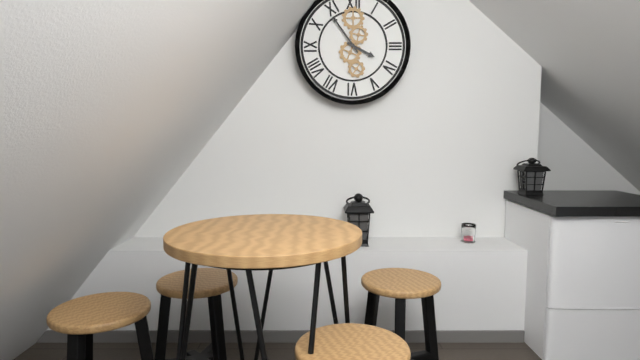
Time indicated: **3:54**
